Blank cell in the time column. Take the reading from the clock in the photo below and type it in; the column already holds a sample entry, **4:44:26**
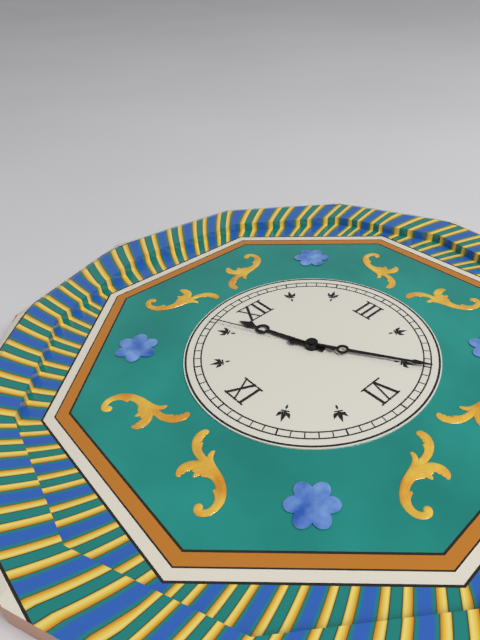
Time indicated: **11:25:56**
